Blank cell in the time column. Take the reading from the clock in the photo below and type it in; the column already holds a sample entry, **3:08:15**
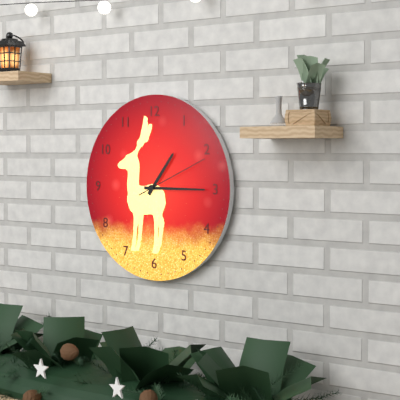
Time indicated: **1:15:11**
